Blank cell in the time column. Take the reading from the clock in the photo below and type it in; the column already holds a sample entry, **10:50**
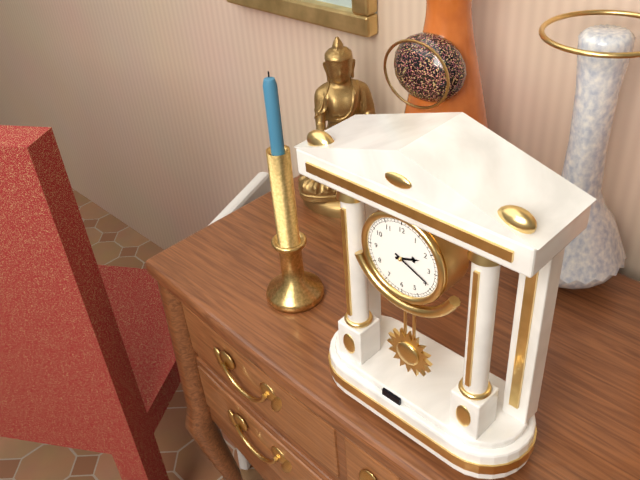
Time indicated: **2:19**
